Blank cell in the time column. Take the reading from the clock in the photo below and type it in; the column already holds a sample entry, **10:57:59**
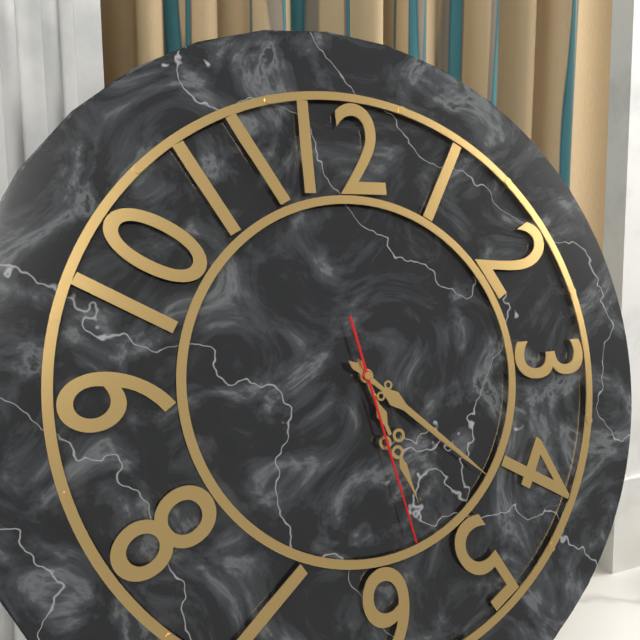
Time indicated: **5:22:28**
